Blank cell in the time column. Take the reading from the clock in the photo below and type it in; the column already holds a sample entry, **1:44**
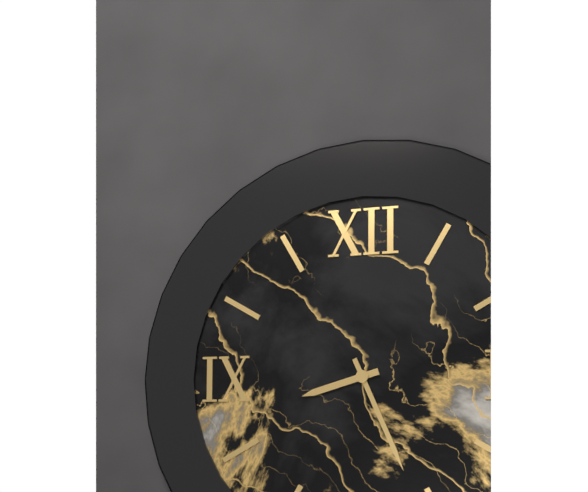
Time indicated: **8:26**
